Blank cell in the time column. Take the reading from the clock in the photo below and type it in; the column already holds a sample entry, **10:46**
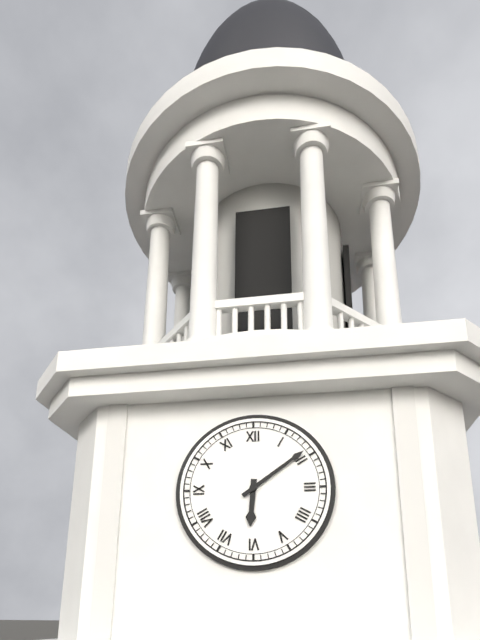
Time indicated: **6:09**
